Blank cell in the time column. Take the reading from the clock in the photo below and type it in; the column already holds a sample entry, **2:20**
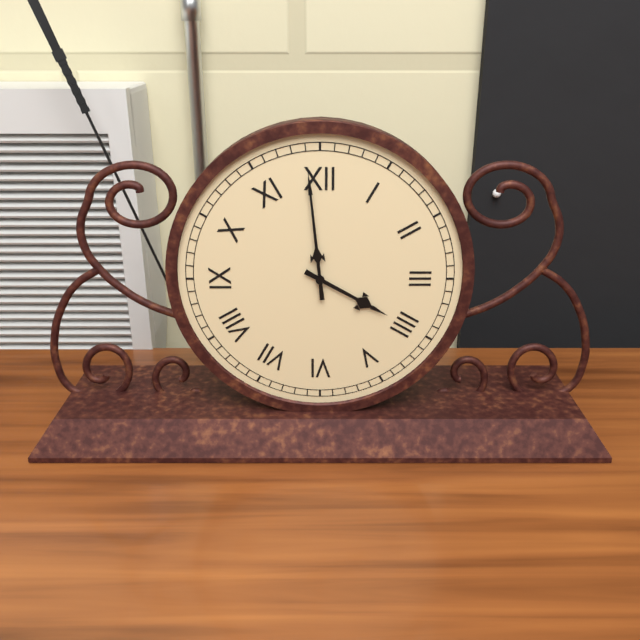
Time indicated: **3:59**
